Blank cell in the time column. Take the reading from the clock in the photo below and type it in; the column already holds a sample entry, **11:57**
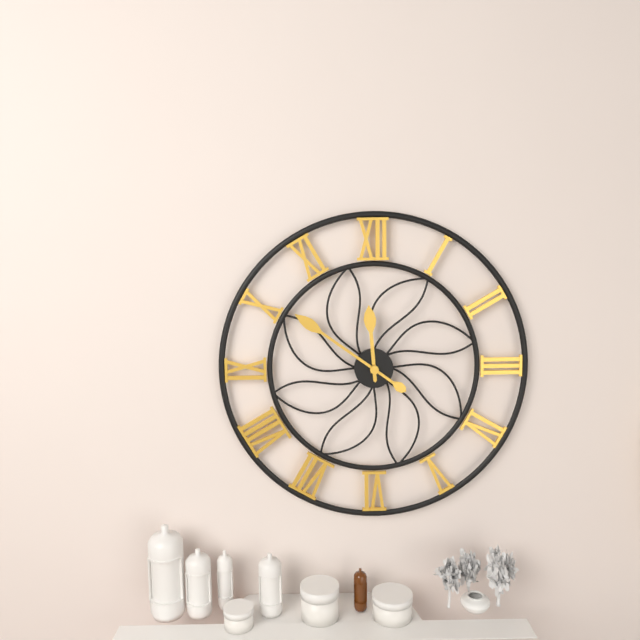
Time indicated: **11:51**
